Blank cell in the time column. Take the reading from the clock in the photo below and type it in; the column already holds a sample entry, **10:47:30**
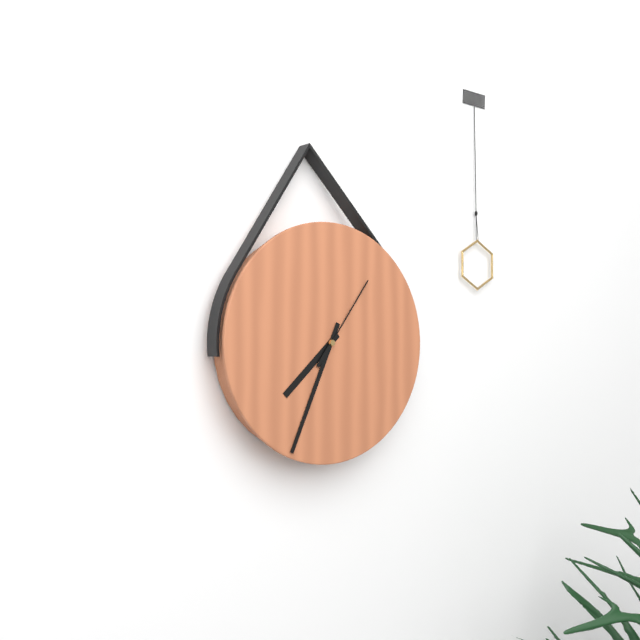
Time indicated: **7:34:06**
